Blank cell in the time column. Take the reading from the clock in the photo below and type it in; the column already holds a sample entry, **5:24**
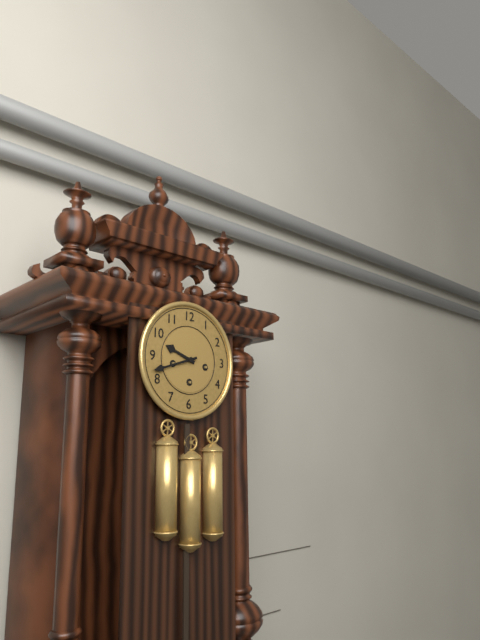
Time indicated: **9:42**
